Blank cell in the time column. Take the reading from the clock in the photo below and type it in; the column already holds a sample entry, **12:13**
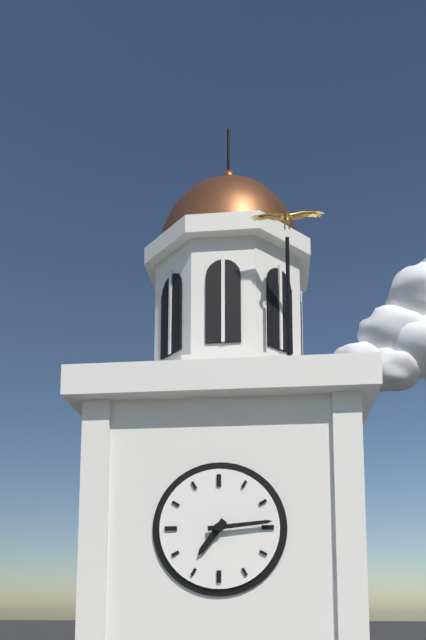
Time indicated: **7:14**
